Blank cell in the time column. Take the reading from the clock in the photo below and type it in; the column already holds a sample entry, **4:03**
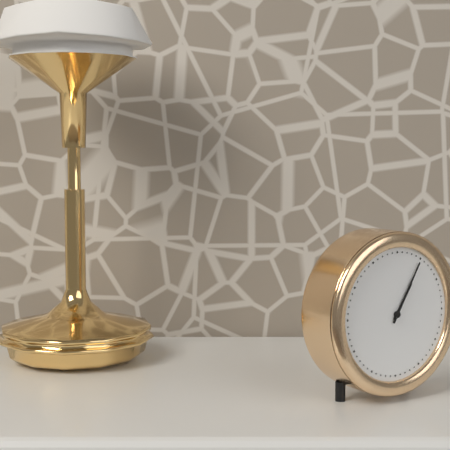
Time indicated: **1:05**
